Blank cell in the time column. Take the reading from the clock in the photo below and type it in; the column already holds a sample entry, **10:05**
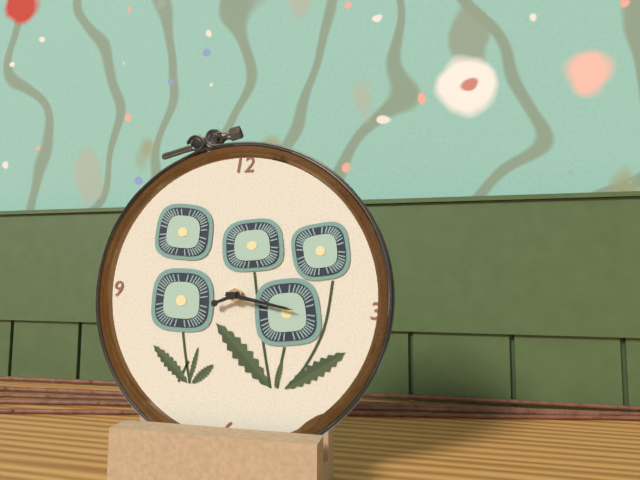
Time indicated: **8:17**
